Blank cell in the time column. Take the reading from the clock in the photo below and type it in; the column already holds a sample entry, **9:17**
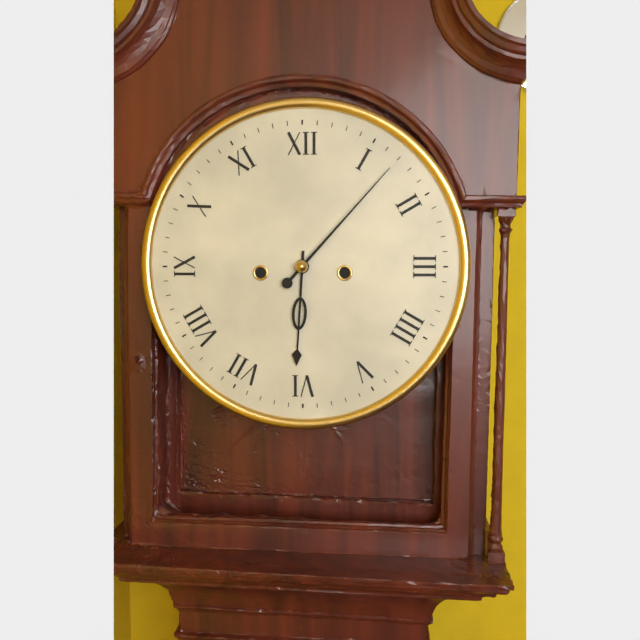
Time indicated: **6:07**
